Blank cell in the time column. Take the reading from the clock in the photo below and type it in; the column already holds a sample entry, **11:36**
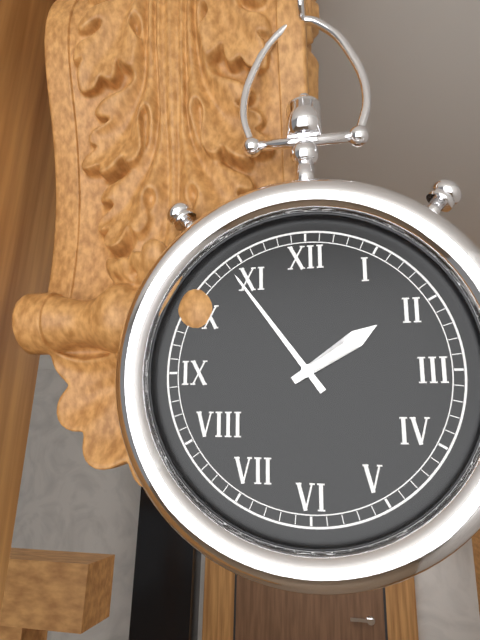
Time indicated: **1:54**
